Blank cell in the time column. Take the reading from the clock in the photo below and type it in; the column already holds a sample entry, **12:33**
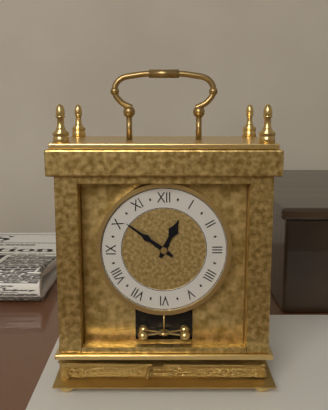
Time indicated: **12:51**
